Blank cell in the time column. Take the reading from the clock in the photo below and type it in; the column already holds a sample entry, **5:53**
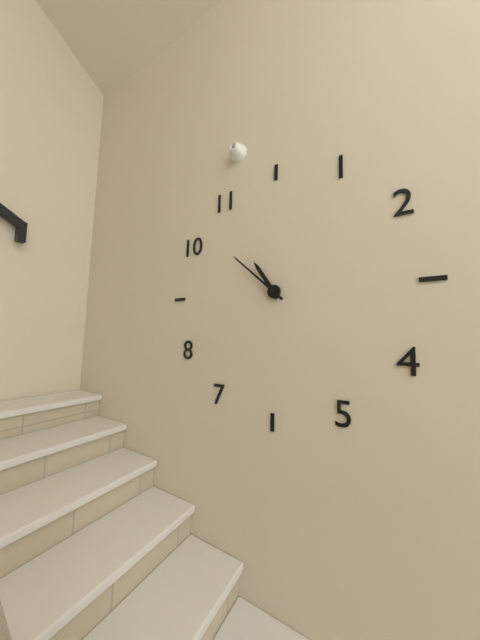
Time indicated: **10:52**
